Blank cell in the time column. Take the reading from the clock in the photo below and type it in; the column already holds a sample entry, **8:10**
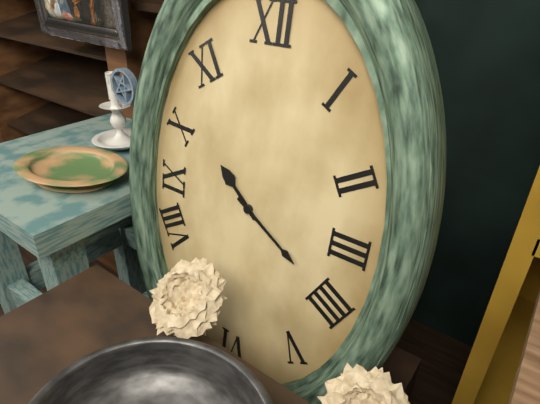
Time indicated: **10:20**
